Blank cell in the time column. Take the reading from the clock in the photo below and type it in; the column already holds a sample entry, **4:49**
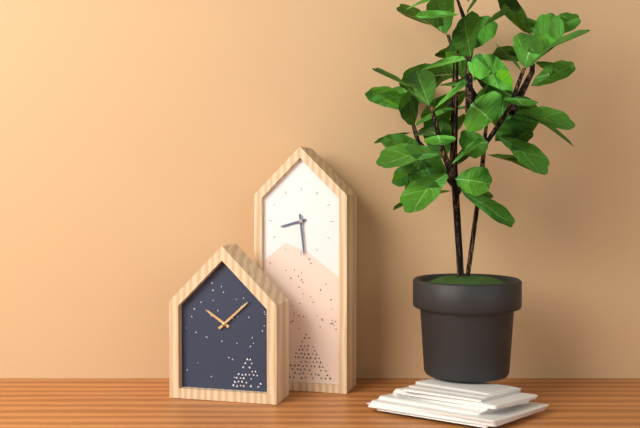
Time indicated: **8:29**
